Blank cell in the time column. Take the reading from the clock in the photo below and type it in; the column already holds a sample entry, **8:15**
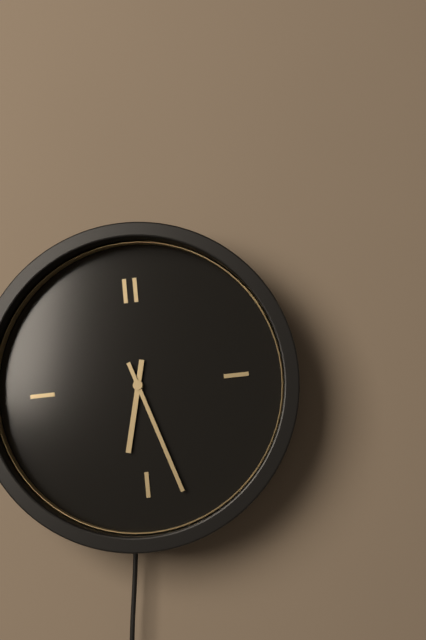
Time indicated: **6:27**
